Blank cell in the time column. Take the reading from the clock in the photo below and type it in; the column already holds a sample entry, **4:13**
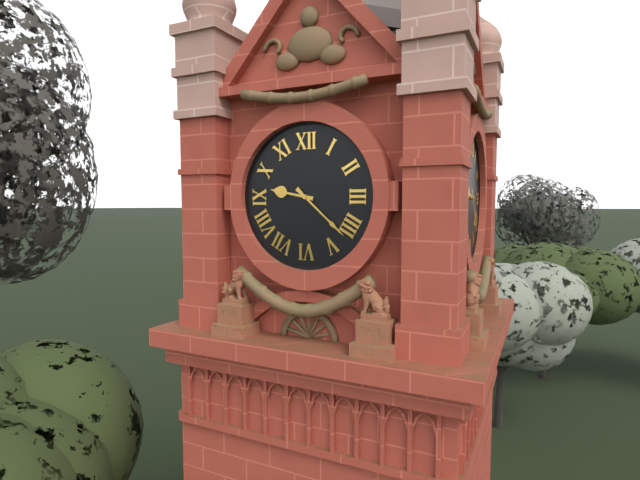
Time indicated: **9:22**
